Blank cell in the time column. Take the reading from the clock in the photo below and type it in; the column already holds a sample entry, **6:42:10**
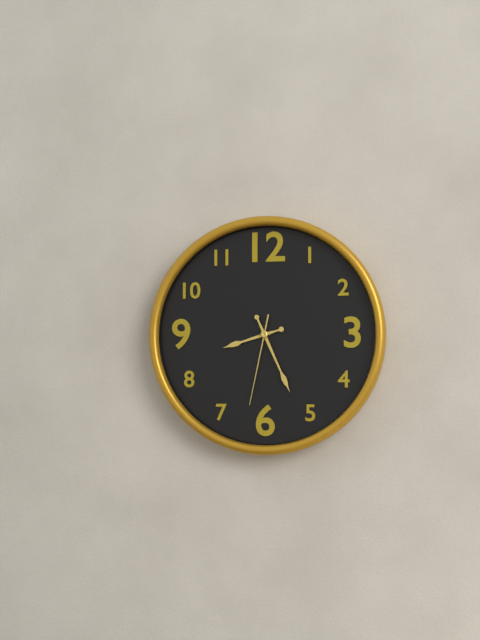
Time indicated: **8:26:32**
